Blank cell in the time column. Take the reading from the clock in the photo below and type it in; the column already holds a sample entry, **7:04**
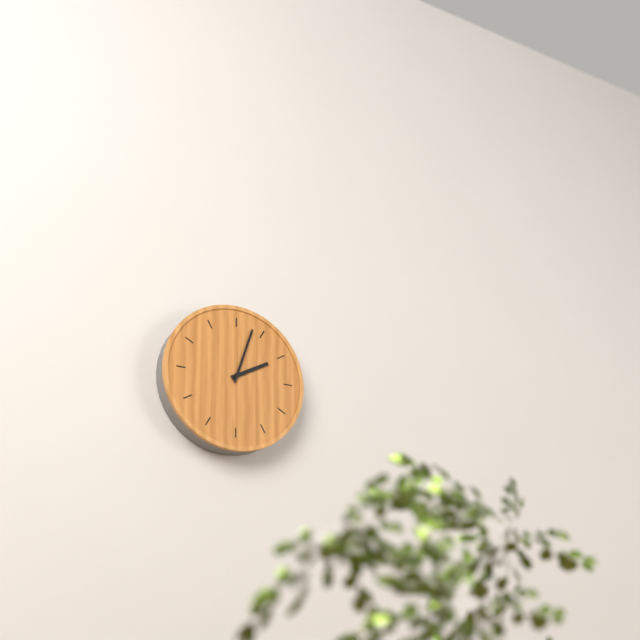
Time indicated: **2:03**
